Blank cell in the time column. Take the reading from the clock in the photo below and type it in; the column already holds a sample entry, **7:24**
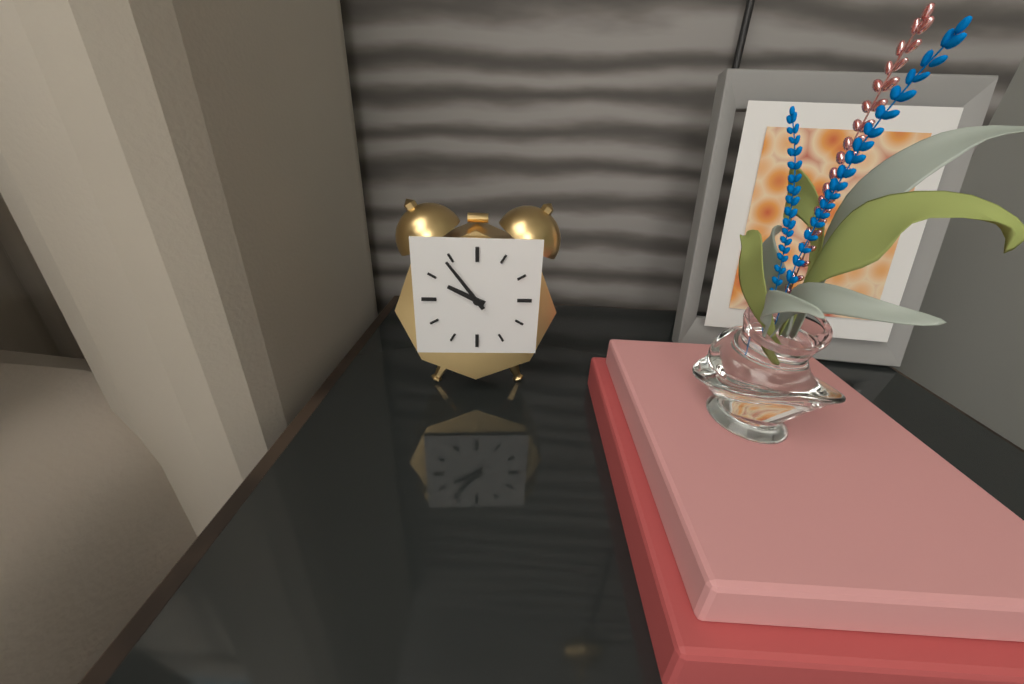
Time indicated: **9:54**
